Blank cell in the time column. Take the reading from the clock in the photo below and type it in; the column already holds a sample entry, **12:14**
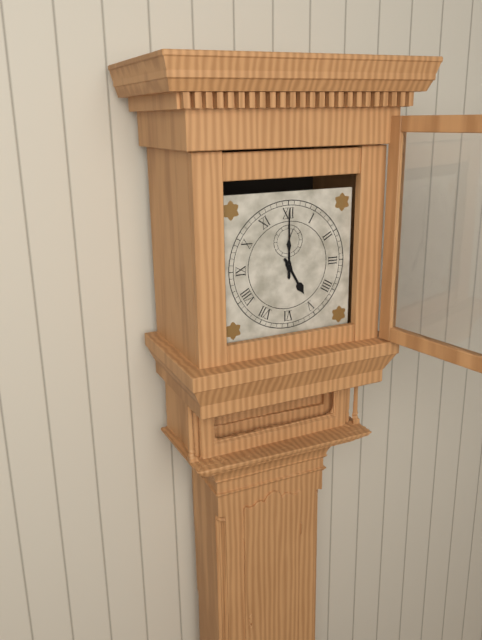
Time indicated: **5:00**
